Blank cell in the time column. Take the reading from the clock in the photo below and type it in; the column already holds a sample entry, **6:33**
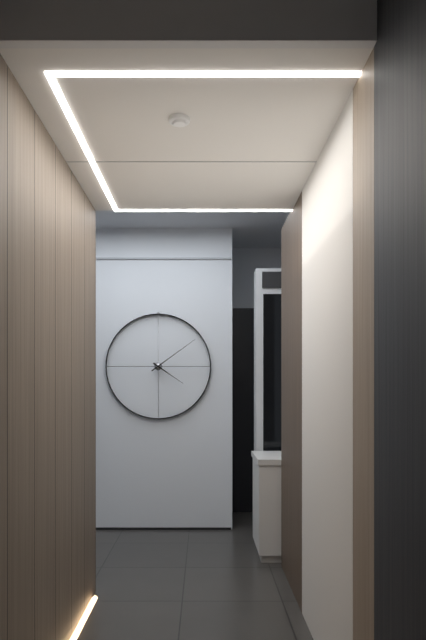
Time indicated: **4:09**
